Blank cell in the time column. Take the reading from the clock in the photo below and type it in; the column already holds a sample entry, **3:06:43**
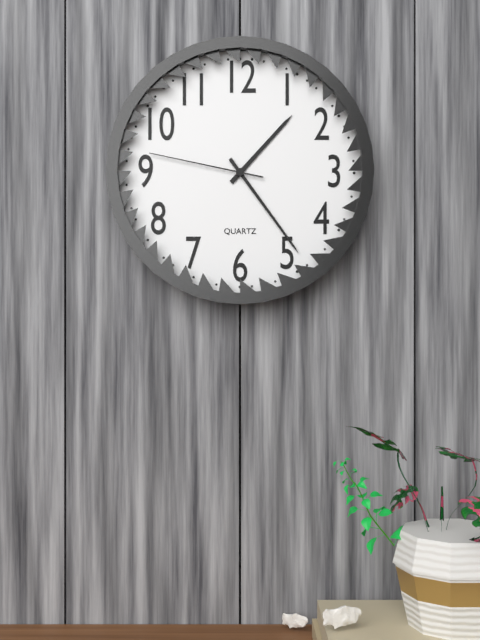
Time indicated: **1:24:47**
